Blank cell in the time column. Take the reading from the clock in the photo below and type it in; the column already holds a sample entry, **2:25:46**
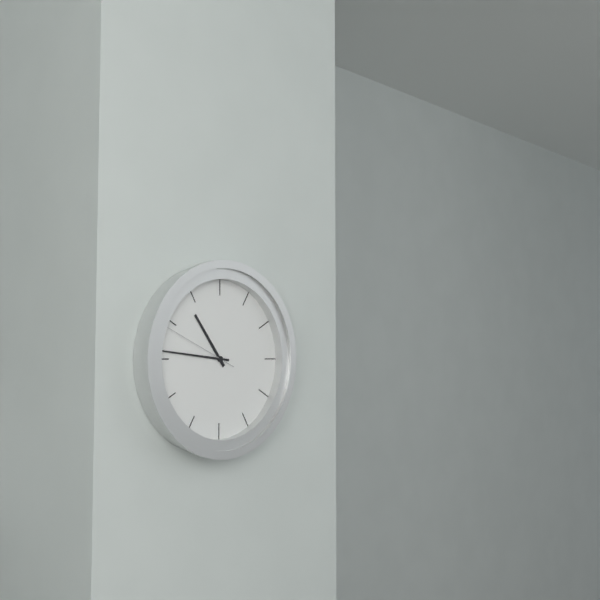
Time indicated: **10:46:49**
